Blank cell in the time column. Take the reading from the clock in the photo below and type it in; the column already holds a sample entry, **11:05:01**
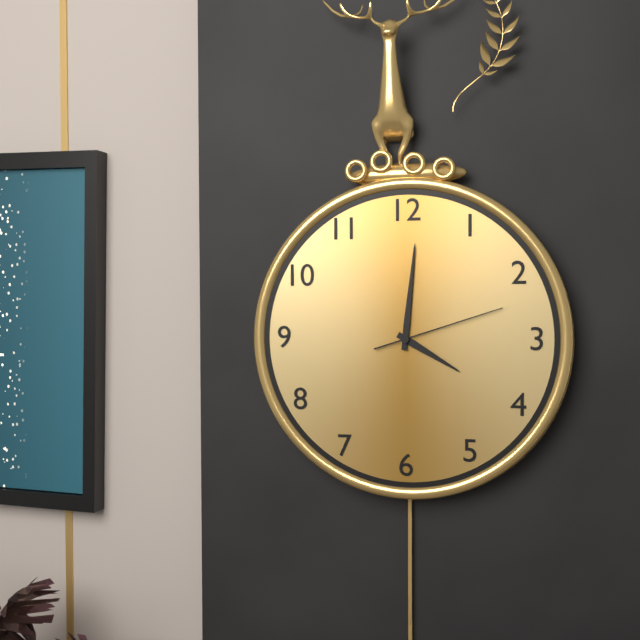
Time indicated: **4:01:12**
